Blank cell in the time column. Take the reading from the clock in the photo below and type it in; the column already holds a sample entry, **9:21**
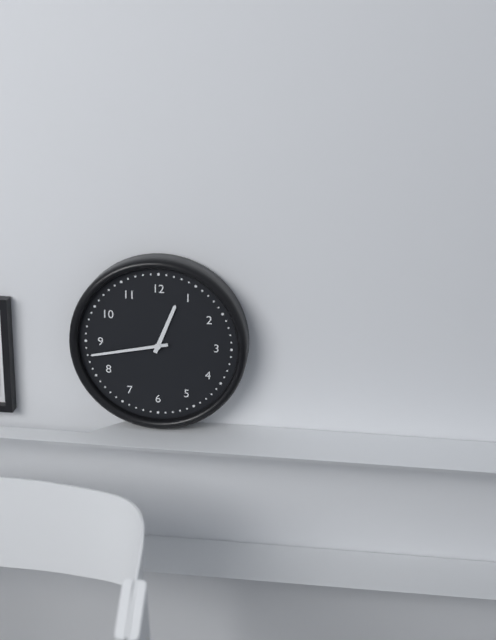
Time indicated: **12:43**
